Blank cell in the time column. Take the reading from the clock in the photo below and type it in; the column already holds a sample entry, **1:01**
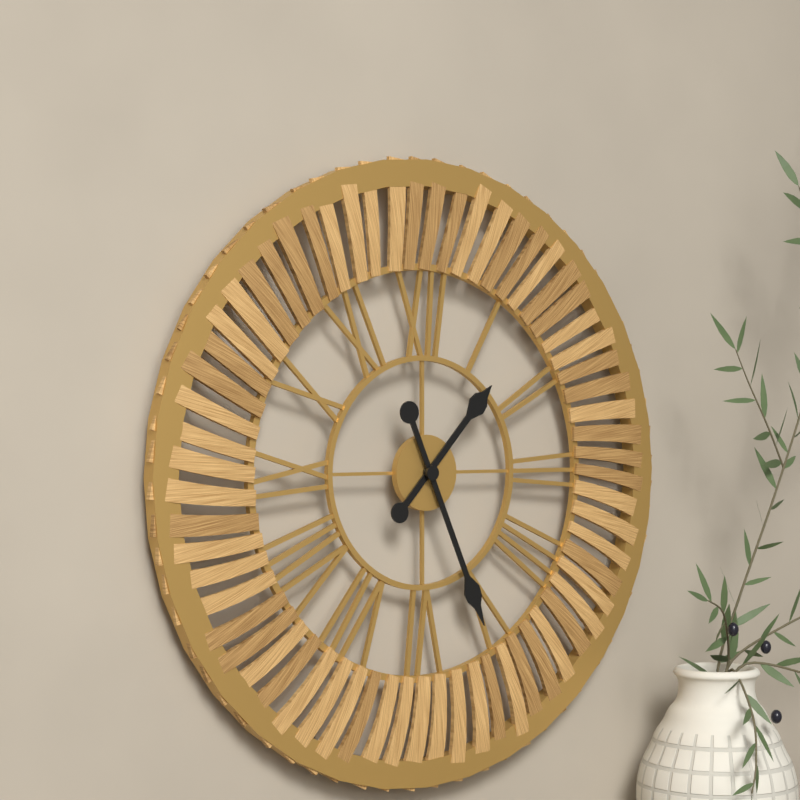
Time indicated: **1:26**
